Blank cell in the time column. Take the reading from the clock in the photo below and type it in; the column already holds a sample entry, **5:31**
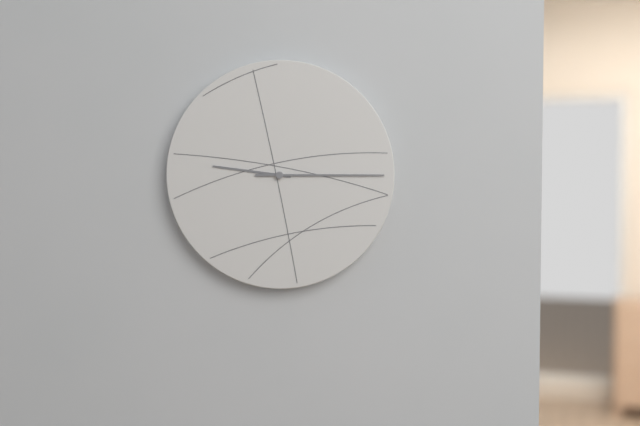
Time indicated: **9:15**
